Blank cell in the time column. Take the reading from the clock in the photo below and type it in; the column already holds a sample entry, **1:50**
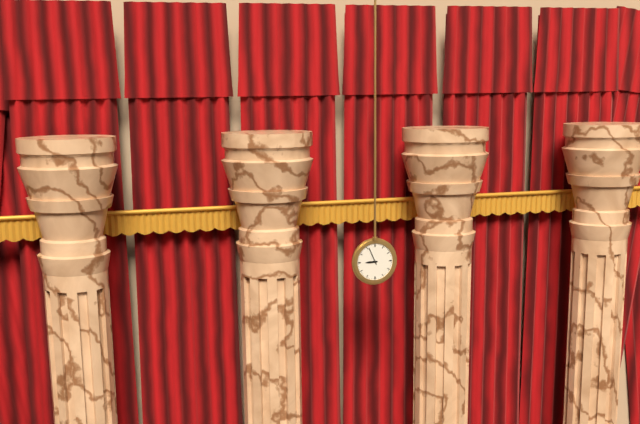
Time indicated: **8:56**
